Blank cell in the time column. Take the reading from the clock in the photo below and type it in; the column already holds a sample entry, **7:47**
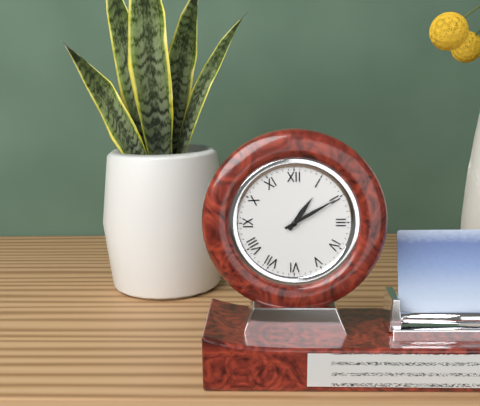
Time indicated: **1:10**
